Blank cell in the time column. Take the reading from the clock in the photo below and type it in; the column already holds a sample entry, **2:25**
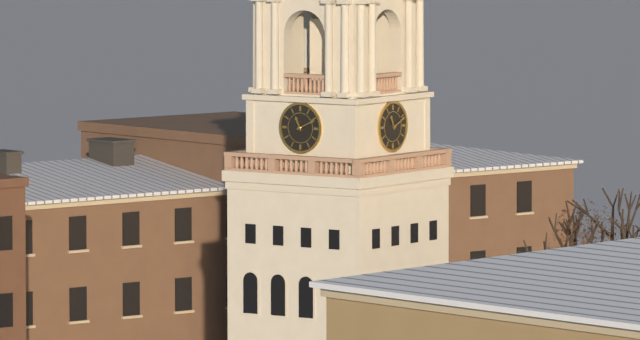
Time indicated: **11:11**
